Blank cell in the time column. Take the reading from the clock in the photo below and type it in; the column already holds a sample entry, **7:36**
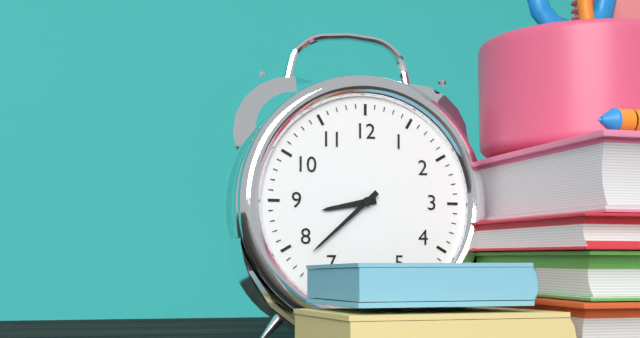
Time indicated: **8:38**
